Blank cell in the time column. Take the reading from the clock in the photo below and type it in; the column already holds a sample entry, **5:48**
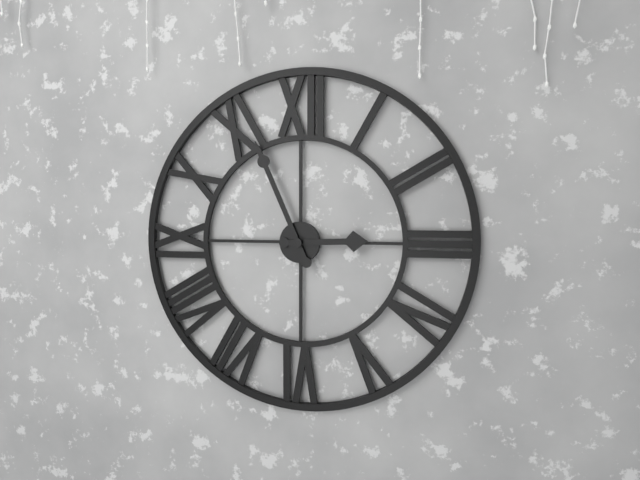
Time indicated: **2:56**
